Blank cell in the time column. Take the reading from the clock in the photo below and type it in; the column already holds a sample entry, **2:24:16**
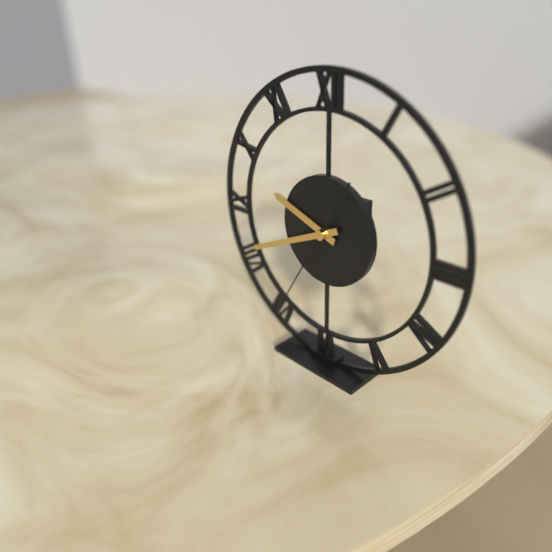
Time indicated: **9:41:35**
